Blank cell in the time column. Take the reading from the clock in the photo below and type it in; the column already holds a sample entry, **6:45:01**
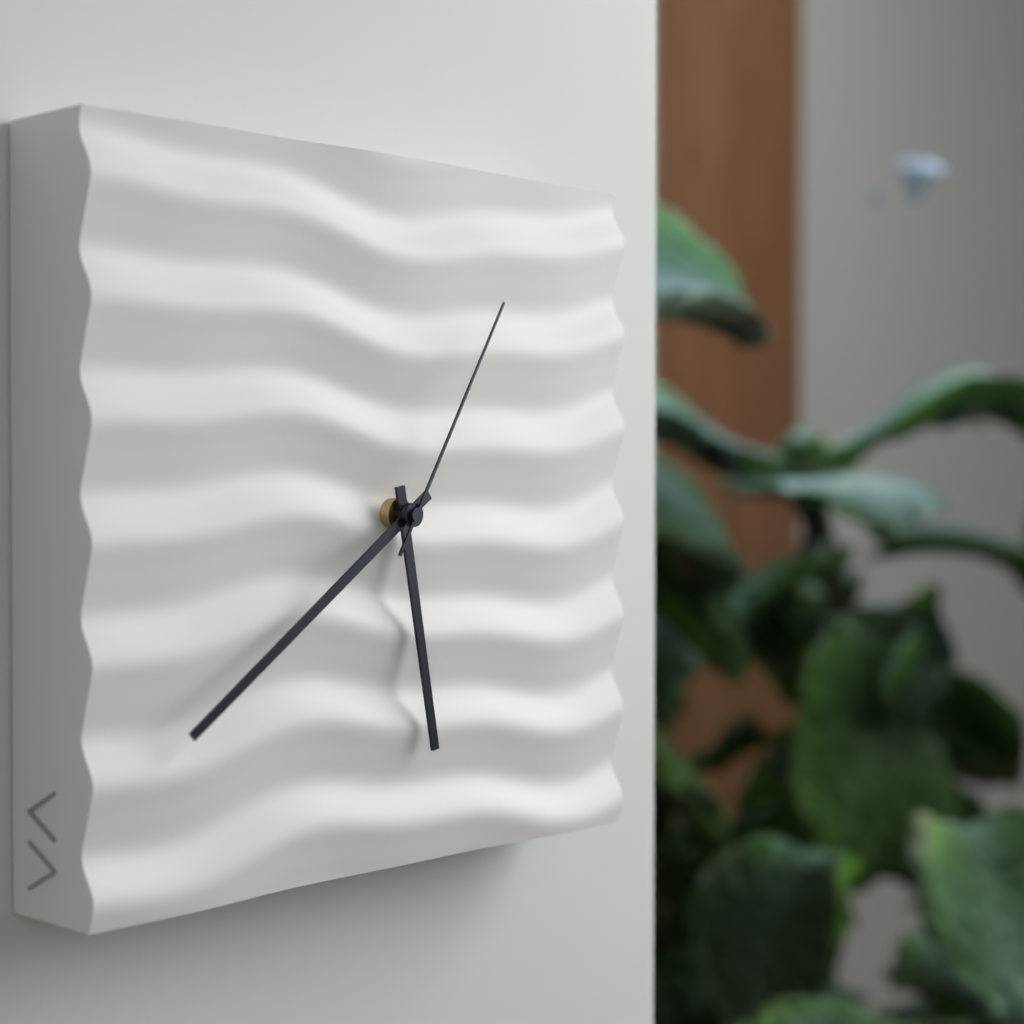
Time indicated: **5:39:05**
